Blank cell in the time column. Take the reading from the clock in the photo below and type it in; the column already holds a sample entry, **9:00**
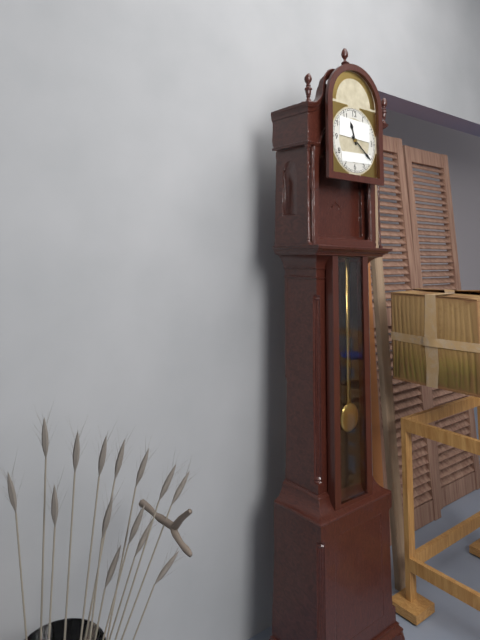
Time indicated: **11:21**
